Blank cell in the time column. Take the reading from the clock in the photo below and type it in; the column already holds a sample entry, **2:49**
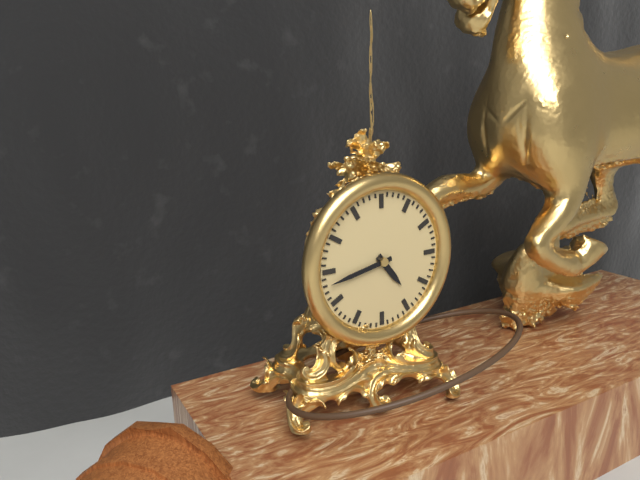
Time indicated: **4:43**
